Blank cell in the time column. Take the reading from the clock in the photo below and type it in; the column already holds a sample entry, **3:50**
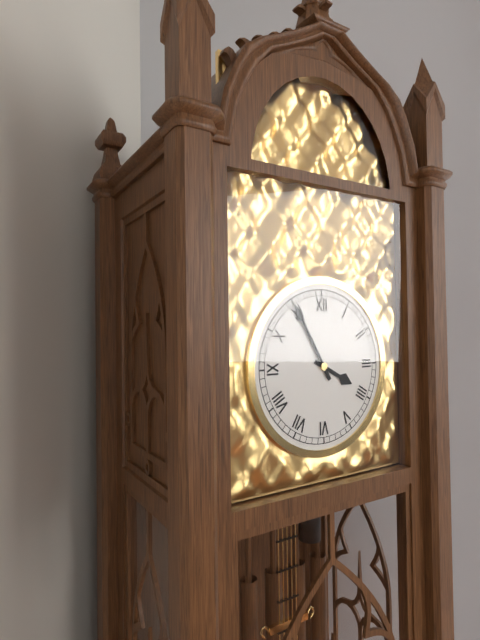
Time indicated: **3:55**
